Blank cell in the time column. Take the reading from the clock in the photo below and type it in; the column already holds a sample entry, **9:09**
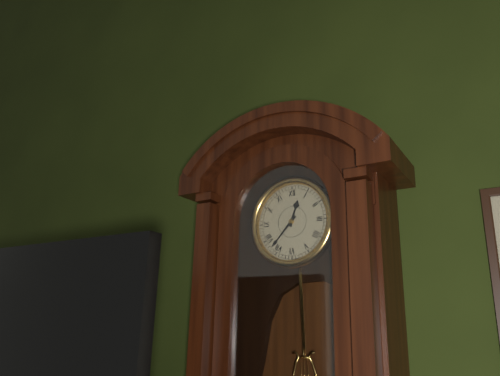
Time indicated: **12:37**
